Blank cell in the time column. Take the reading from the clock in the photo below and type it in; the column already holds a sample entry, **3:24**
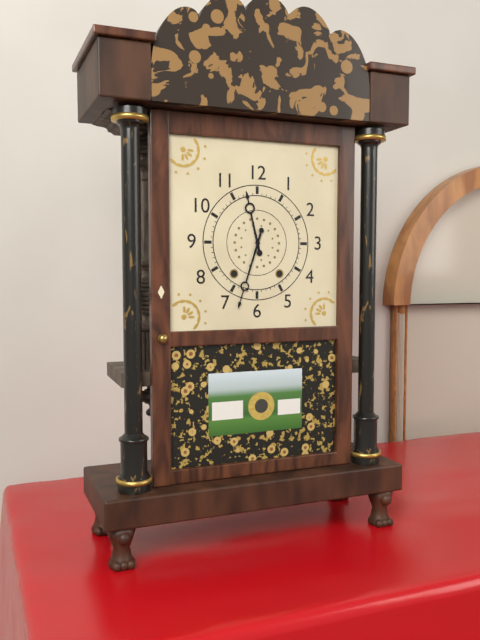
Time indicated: **11:33**
